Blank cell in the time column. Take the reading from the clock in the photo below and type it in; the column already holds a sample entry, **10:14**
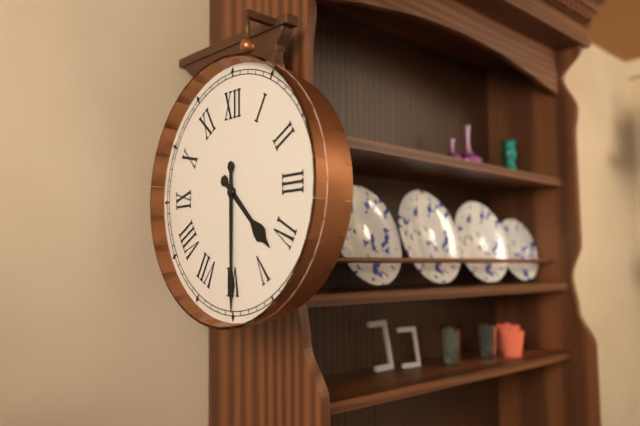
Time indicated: **4:30**
